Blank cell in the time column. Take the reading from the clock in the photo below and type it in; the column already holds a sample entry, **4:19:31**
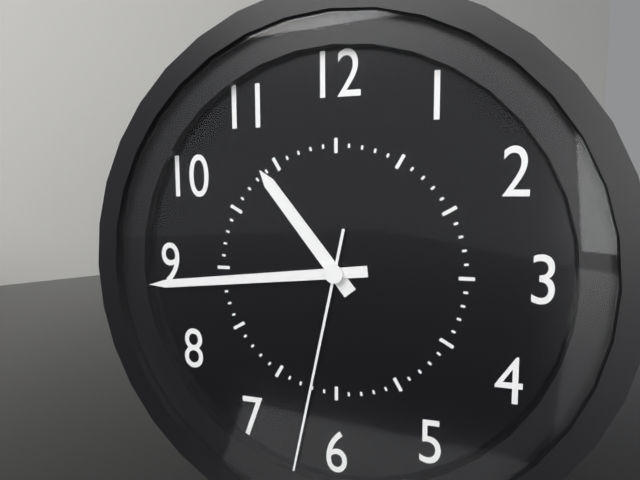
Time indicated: **10:44:32**
